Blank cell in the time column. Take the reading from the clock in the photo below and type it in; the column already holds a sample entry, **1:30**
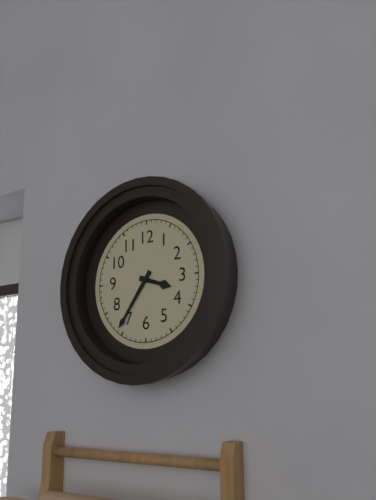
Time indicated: **3:36**
